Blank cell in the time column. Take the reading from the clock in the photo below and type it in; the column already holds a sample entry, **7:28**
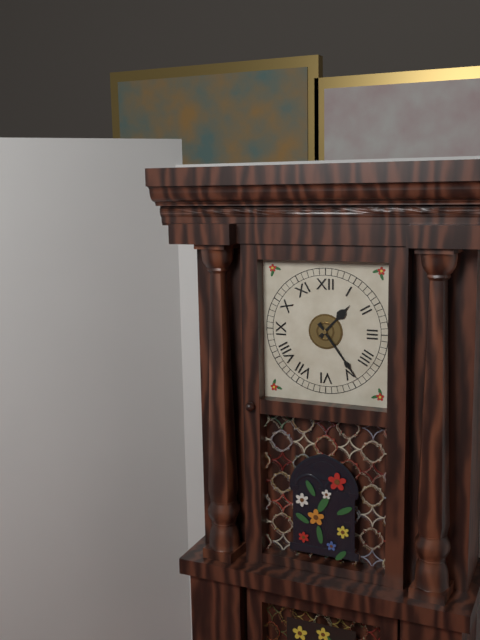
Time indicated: **1:24**
